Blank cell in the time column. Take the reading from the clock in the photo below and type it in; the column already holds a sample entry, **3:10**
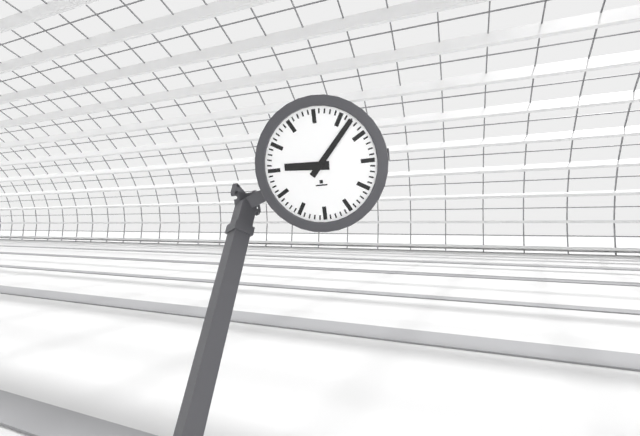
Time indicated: **9:07**
